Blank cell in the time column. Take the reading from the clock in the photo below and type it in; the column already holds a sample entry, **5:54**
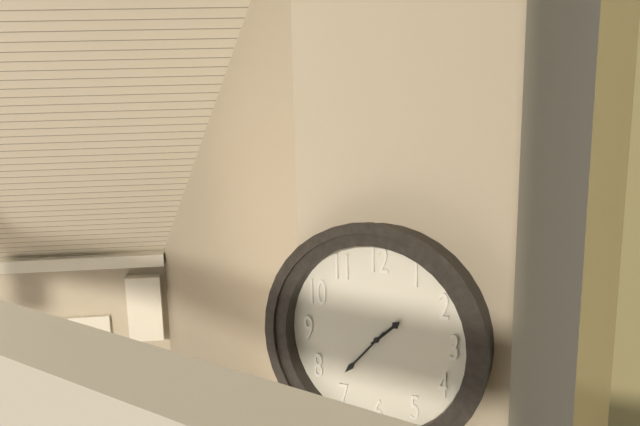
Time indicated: **1:37**
